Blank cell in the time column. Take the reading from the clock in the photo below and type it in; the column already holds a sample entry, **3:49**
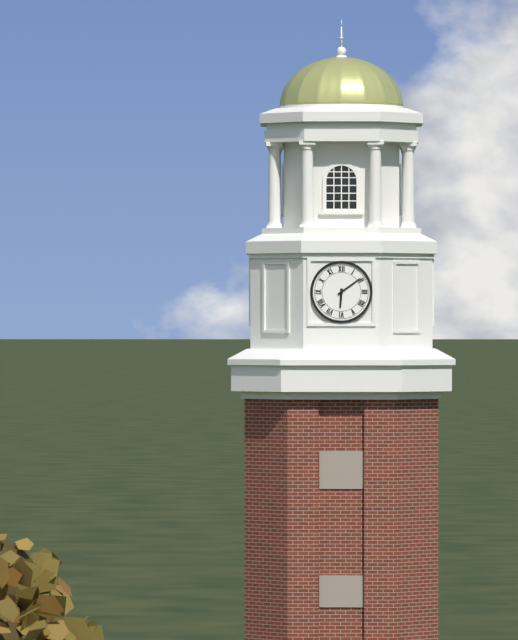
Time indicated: **6:09**
